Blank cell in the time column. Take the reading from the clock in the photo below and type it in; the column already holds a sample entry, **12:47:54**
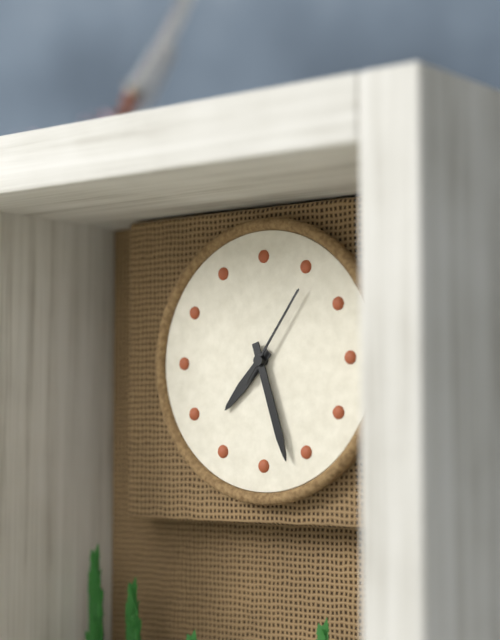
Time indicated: **7:27:06**
